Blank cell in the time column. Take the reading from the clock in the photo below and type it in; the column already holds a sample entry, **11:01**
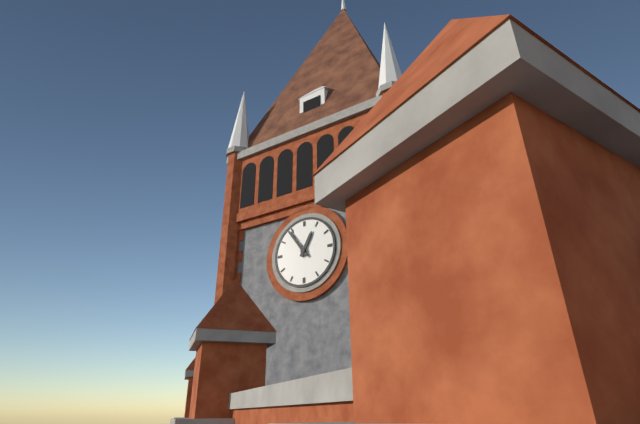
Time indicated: **12:54**
